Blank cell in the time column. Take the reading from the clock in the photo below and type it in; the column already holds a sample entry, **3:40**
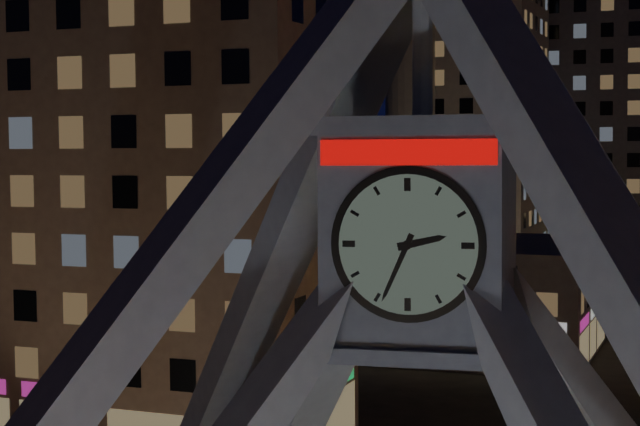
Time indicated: **2:34**
